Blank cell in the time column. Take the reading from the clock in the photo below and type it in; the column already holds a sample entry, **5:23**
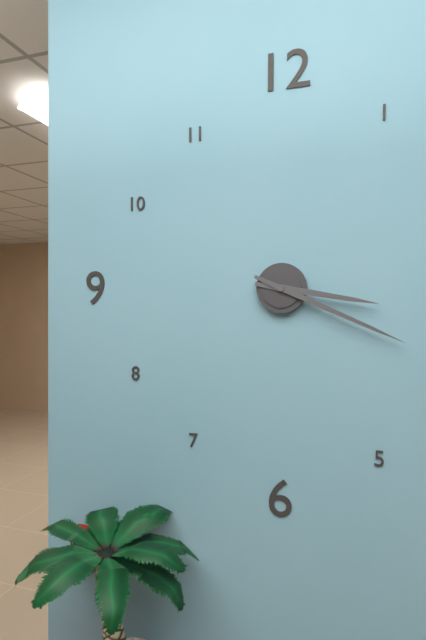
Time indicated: **3:19**
